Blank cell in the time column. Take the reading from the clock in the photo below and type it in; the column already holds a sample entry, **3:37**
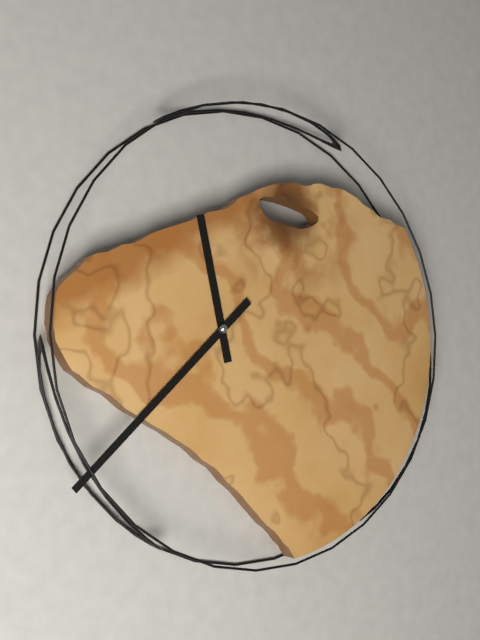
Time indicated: **11:38**
